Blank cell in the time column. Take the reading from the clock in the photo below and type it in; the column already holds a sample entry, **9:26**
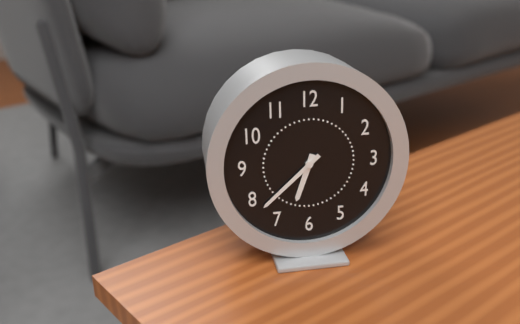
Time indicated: **6:38**
